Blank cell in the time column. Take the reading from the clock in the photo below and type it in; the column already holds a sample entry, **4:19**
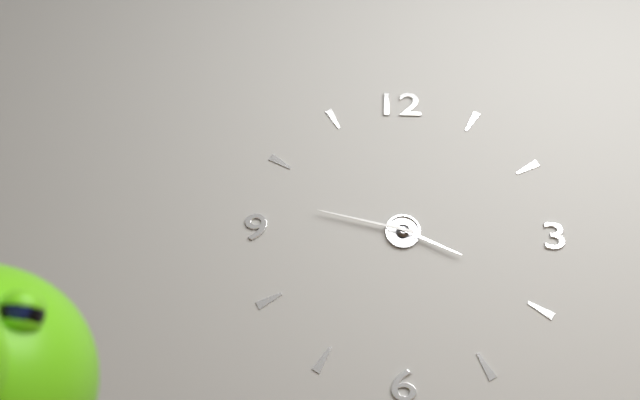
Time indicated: **3:47**
